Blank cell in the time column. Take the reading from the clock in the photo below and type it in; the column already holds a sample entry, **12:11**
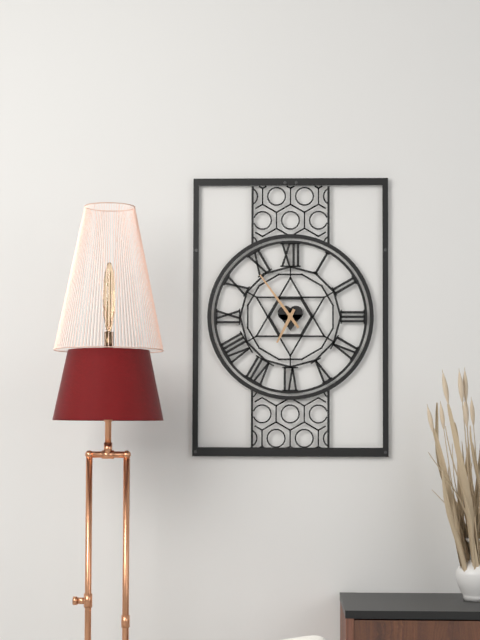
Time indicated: **6:54**
